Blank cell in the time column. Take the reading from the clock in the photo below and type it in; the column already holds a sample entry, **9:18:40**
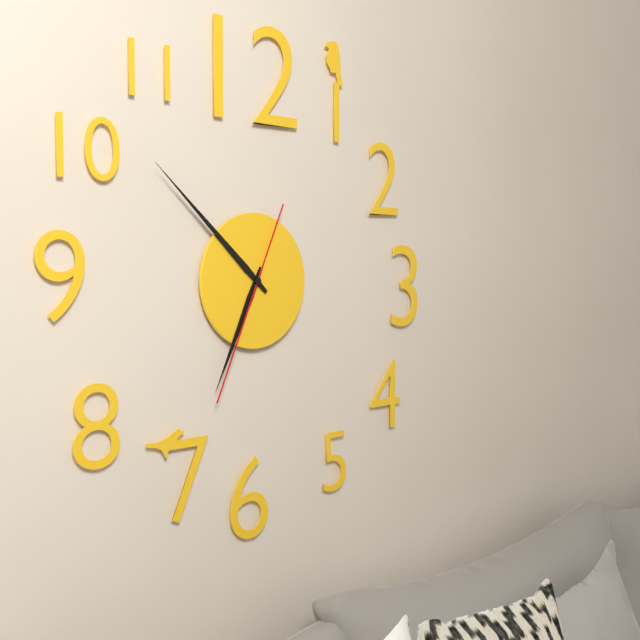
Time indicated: **6:52:34**
